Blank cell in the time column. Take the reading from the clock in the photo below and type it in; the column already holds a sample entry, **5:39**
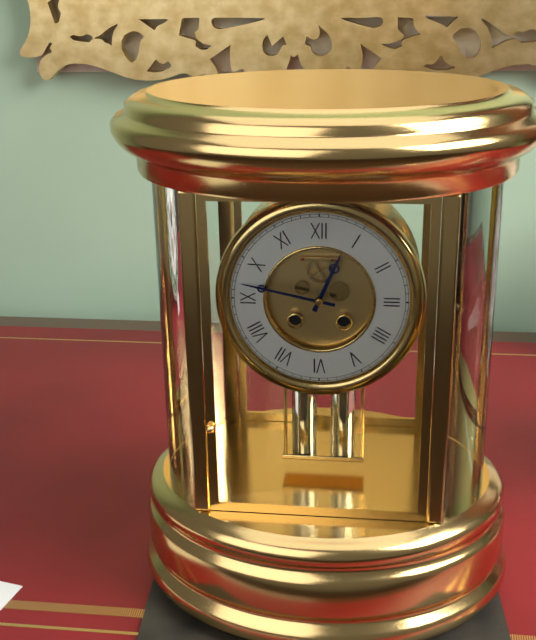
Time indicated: **12:47**
